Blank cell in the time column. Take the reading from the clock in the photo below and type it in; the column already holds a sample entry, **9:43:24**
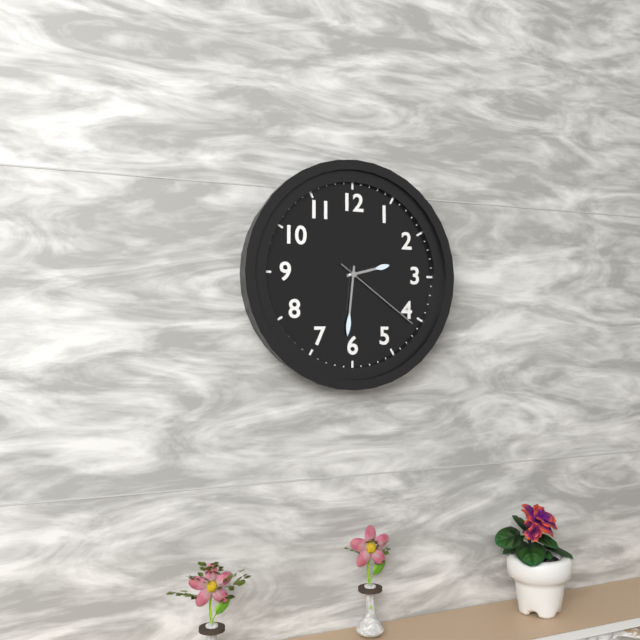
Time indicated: **2:31:21**
